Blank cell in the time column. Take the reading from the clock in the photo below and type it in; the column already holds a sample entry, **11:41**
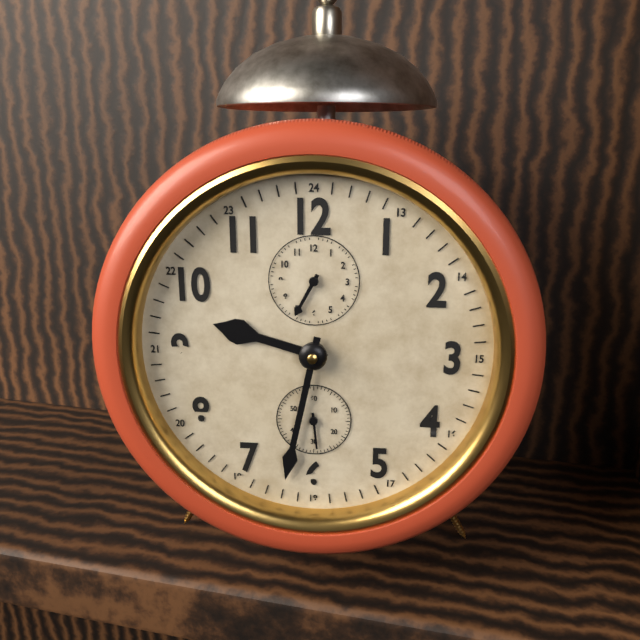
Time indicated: **9:32**
